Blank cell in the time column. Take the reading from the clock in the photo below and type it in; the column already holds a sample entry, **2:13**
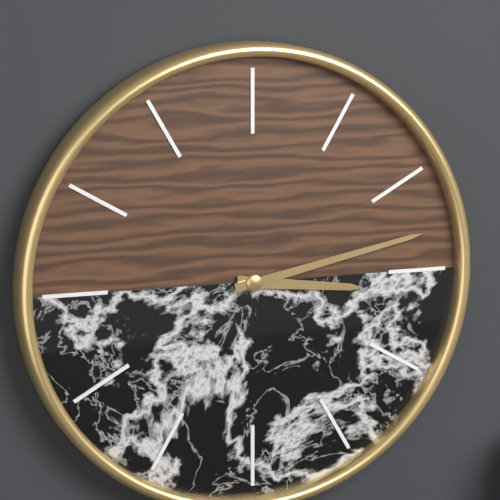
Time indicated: **3:13**
